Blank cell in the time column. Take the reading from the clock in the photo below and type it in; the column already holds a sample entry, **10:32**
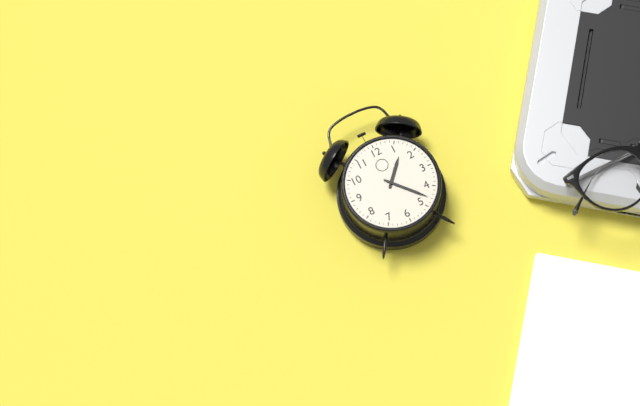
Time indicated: **1:23**
